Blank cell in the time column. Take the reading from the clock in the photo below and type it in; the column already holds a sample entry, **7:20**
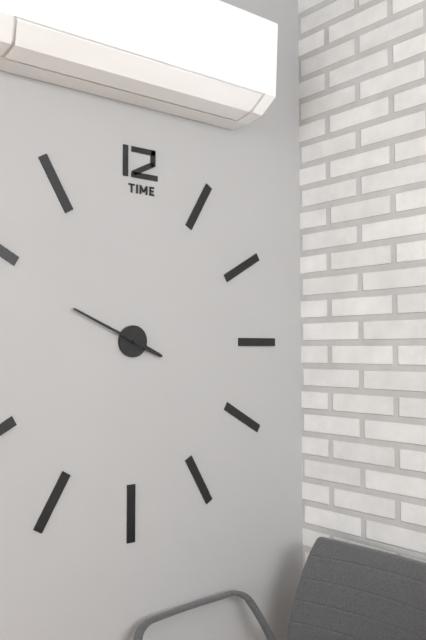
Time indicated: **3:49**
